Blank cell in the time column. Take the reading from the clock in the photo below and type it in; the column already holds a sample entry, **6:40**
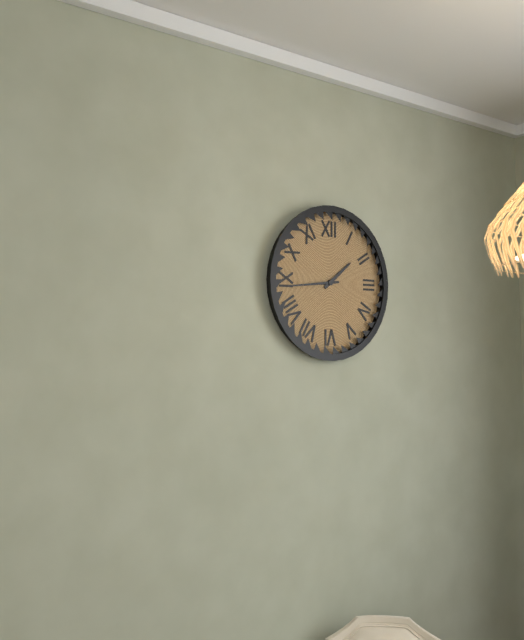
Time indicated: **1:44**
